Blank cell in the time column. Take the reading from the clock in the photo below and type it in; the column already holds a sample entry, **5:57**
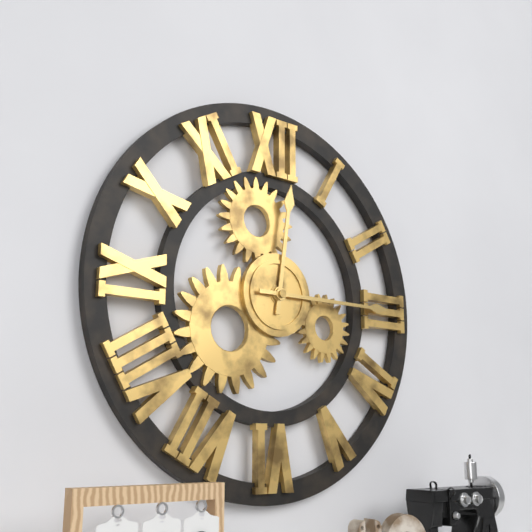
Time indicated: **12:15**
